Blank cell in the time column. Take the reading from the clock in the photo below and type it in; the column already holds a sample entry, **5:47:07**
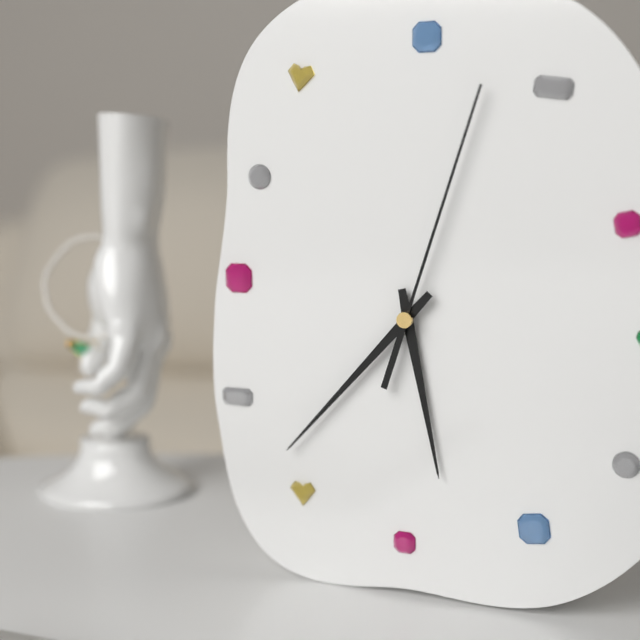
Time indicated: **5:37:03**
